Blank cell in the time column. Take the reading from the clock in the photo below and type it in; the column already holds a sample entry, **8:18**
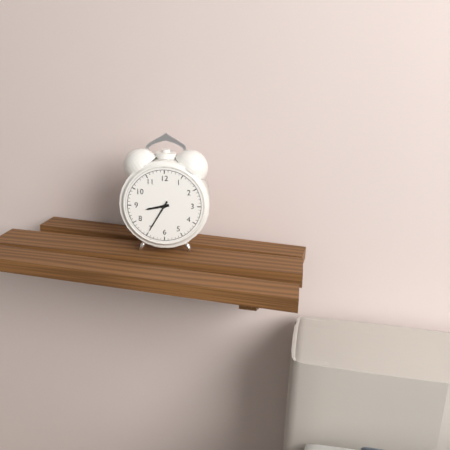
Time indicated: **8:35**
